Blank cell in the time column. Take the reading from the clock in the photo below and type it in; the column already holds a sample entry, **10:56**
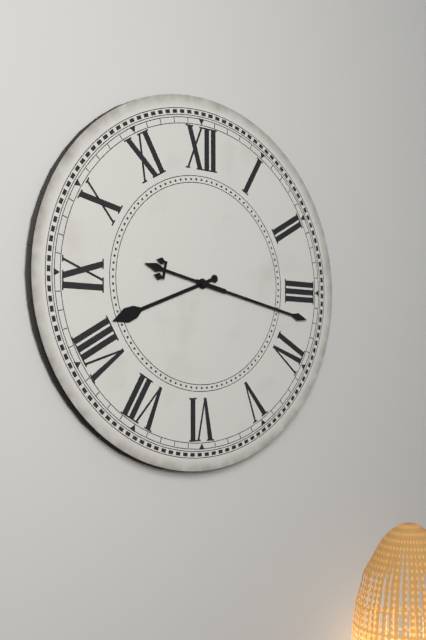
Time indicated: **8:17**
